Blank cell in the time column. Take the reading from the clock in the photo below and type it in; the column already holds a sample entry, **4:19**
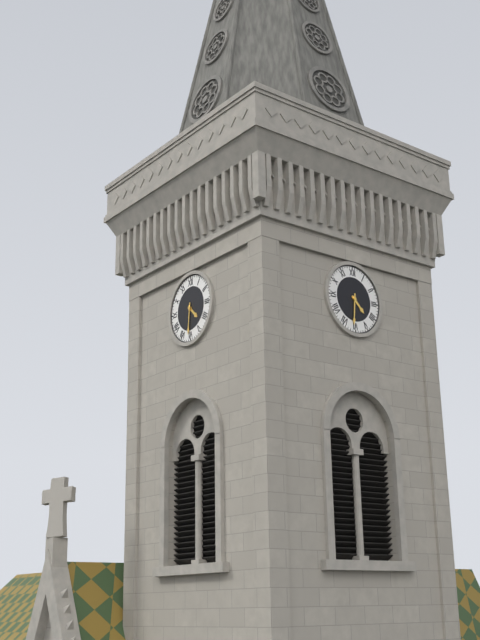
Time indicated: **4:31**
